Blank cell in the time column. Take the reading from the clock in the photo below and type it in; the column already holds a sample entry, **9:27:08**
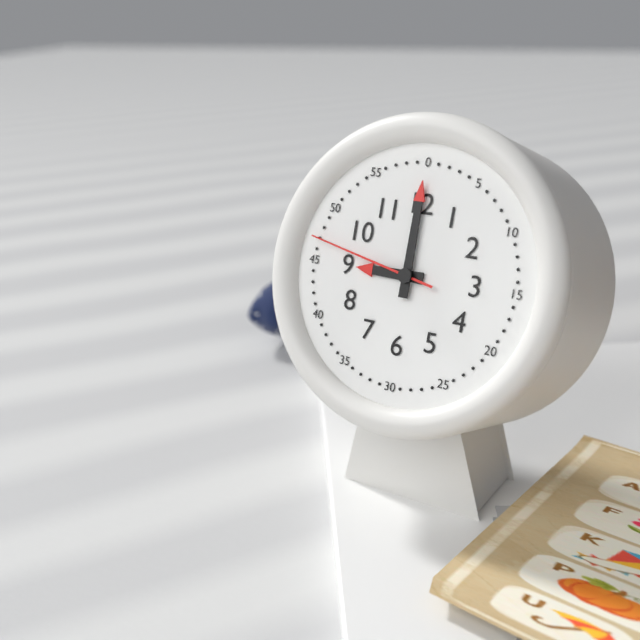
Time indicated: **9:00:47**
